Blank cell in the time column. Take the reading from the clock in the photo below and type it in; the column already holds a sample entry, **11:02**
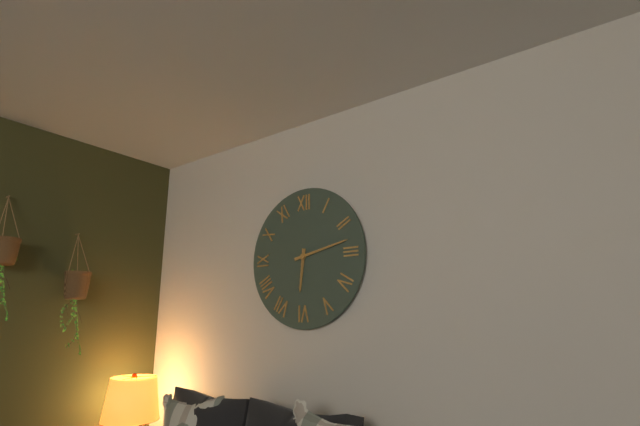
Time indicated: **6:13**
